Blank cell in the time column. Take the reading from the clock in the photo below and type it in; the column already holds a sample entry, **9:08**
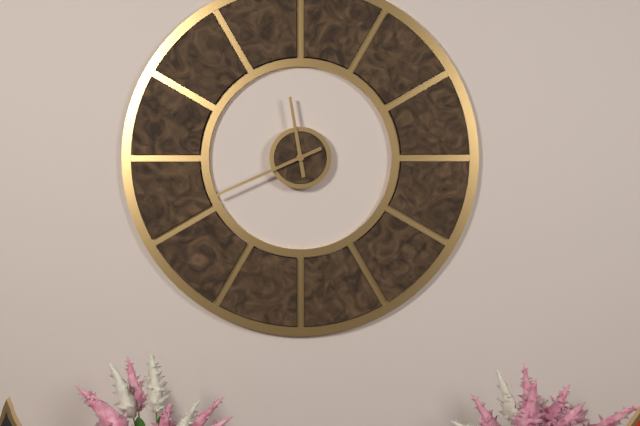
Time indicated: **11:41**
